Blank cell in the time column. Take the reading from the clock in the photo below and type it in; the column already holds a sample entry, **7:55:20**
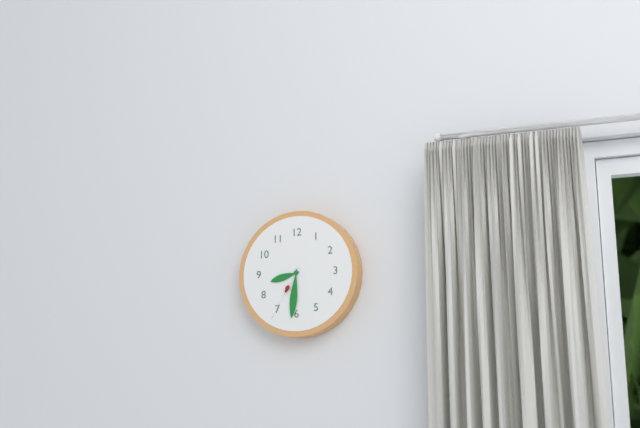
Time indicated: **8:31:35**
